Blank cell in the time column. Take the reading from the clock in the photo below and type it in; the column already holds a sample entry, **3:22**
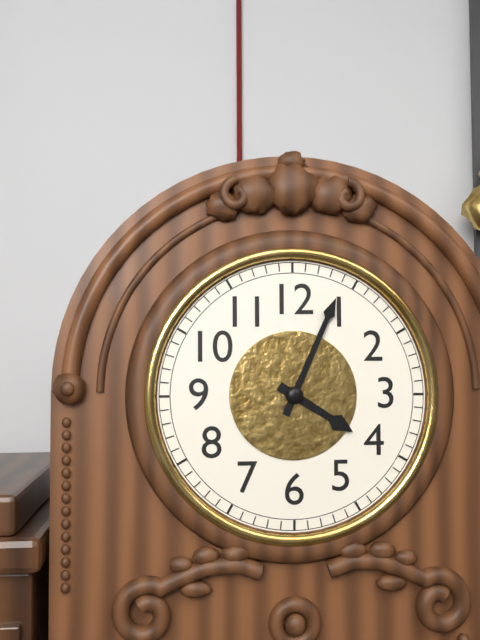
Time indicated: **4:04**
